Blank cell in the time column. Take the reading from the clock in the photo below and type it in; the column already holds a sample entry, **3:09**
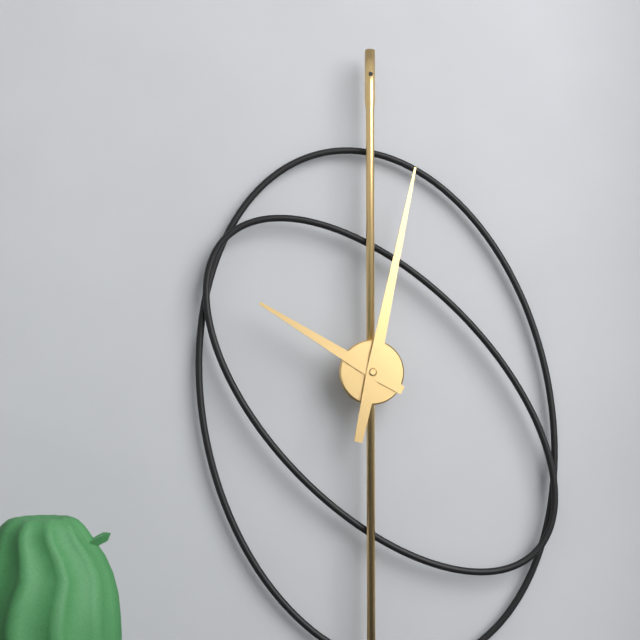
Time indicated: **10:02**
